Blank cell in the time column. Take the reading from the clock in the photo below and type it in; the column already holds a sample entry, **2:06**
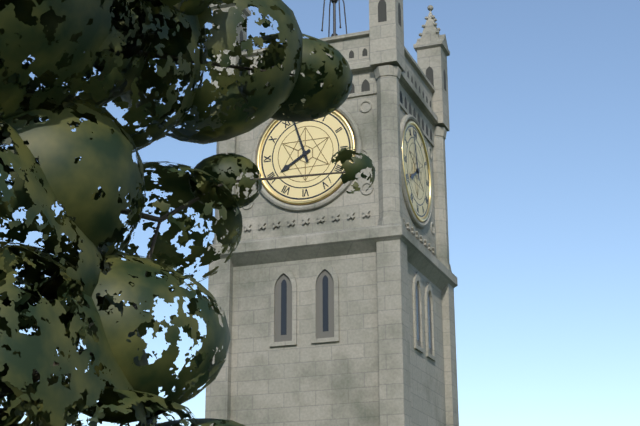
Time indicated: **7:57**
